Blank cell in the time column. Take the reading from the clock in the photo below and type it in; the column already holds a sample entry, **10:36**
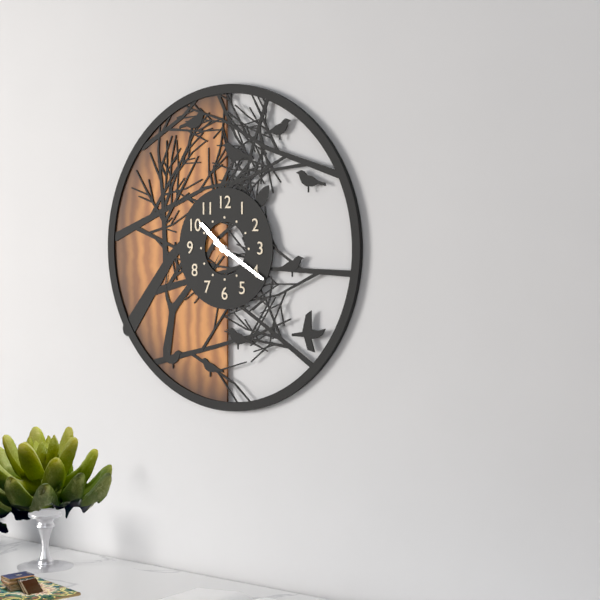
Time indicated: **10:20**
